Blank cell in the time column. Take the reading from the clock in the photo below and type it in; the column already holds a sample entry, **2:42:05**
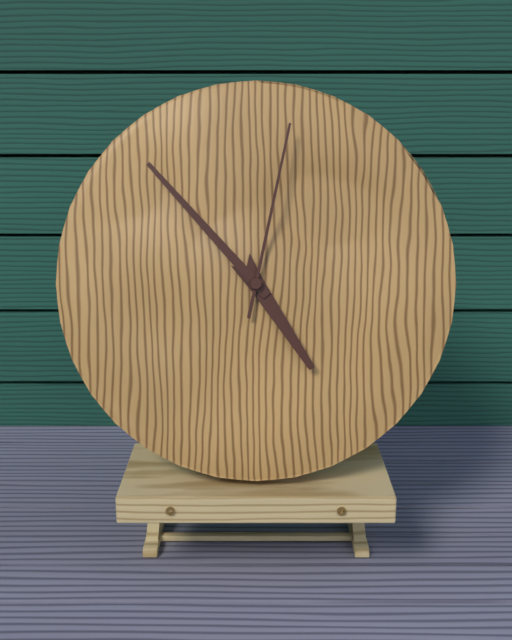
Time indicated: **4:53:02**
